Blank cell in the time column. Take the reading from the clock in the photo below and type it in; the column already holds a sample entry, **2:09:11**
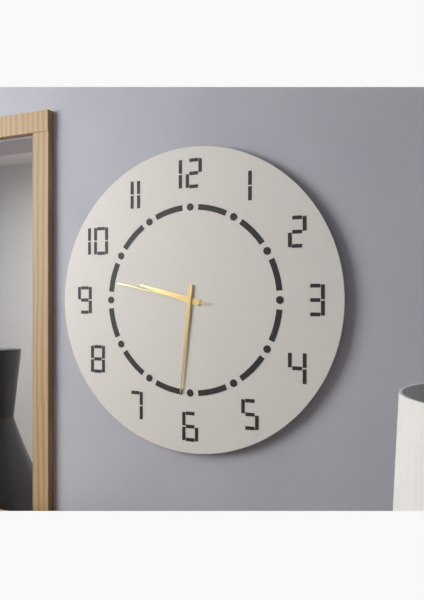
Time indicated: **9:31:47**
